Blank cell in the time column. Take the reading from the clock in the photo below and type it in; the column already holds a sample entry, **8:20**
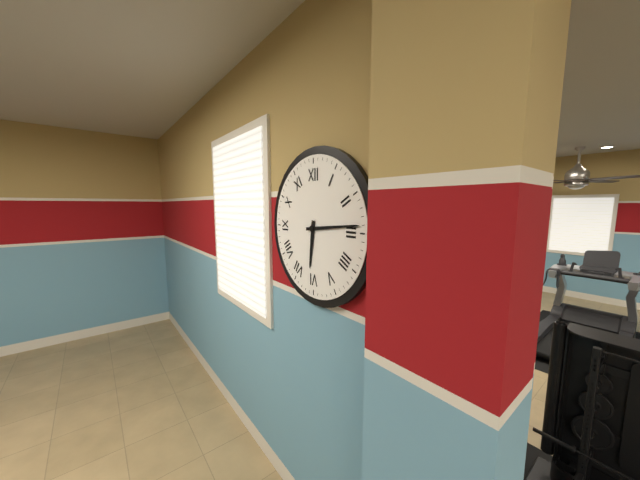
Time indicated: **6:14**
